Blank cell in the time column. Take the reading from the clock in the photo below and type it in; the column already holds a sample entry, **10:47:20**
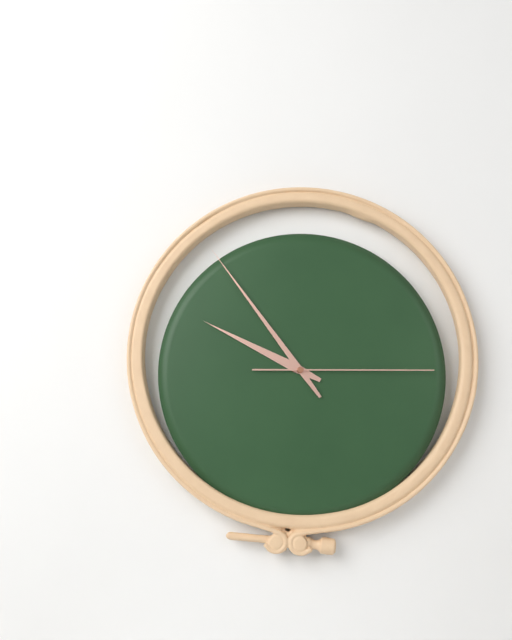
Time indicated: **9:54:15**
